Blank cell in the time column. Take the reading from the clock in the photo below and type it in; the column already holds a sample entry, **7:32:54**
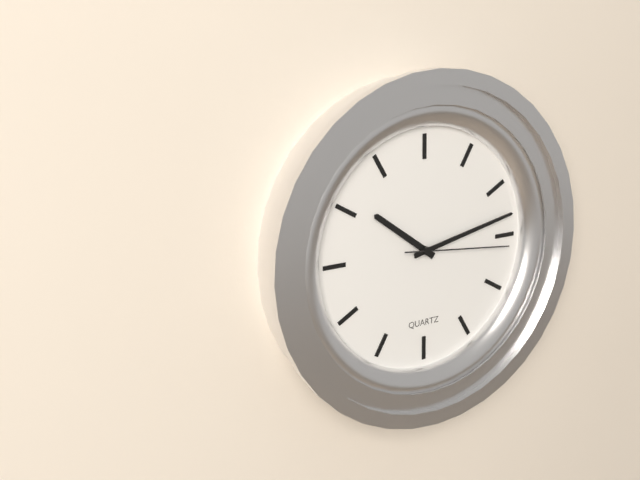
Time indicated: **10:13:16**
